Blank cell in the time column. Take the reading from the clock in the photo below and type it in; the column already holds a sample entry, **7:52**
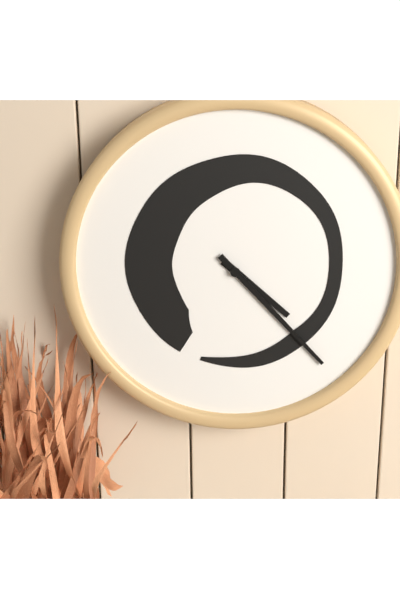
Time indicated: **4:23**
